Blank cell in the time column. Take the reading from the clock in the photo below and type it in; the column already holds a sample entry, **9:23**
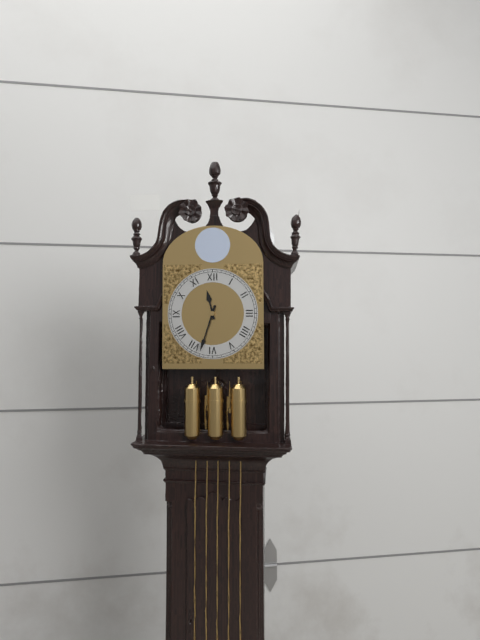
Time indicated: **11:33**
